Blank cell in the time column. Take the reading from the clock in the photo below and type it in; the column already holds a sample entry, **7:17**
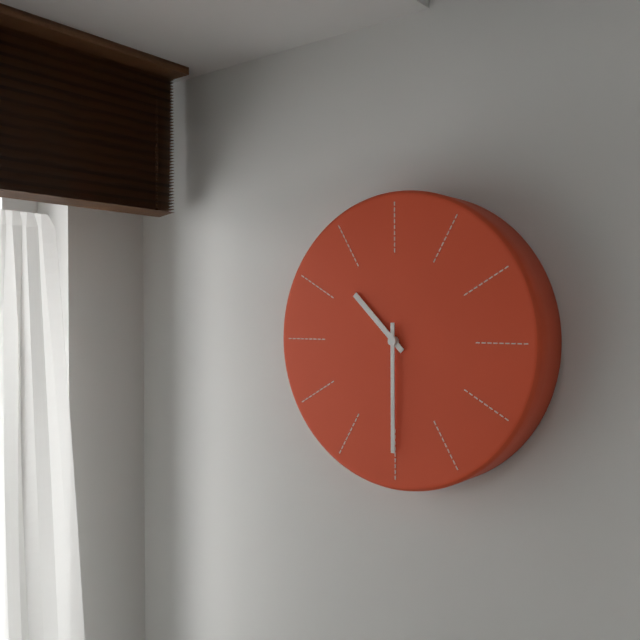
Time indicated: **10:30**
